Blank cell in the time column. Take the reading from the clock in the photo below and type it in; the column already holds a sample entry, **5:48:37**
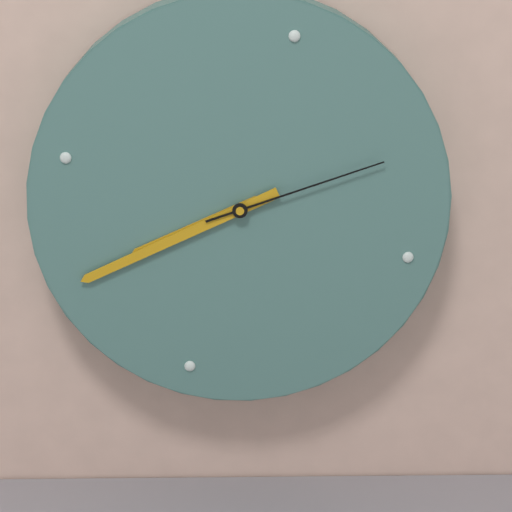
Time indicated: **7:38:09**
